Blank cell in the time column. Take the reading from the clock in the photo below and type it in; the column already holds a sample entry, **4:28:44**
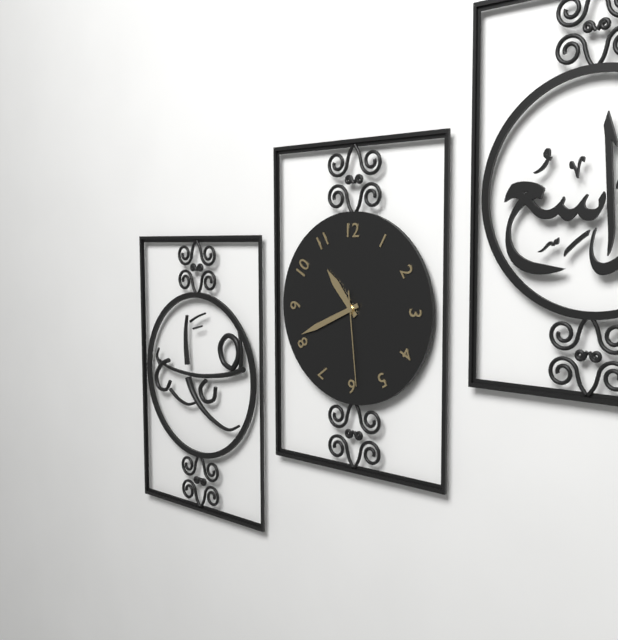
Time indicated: **10:41:29**
